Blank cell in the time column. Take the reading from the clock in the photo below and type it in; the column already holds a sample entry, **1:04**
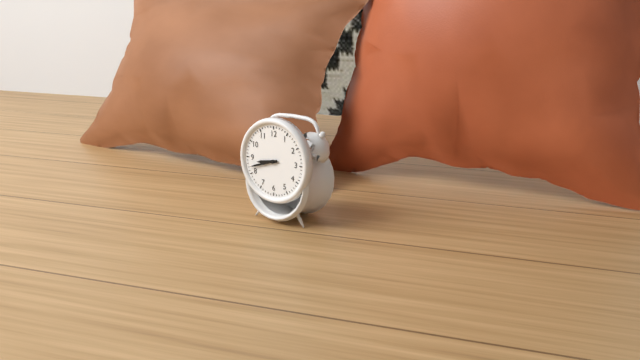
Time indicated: **8:42**
